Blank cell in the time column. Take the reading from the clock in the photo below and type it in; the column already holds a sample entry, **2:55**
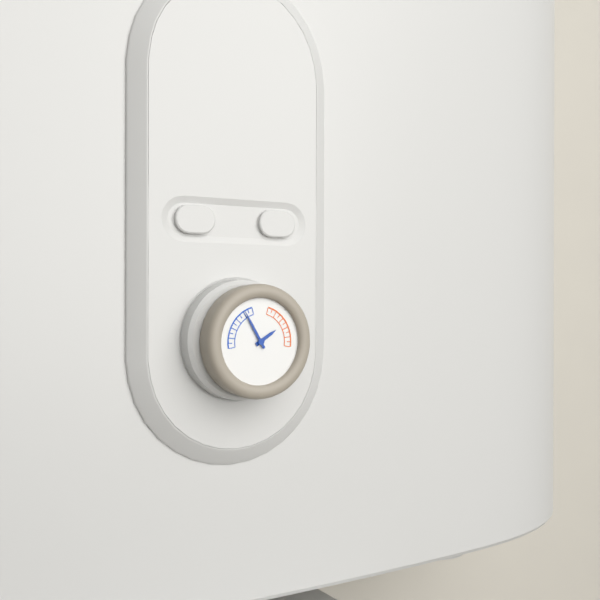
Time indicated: **1:55**
